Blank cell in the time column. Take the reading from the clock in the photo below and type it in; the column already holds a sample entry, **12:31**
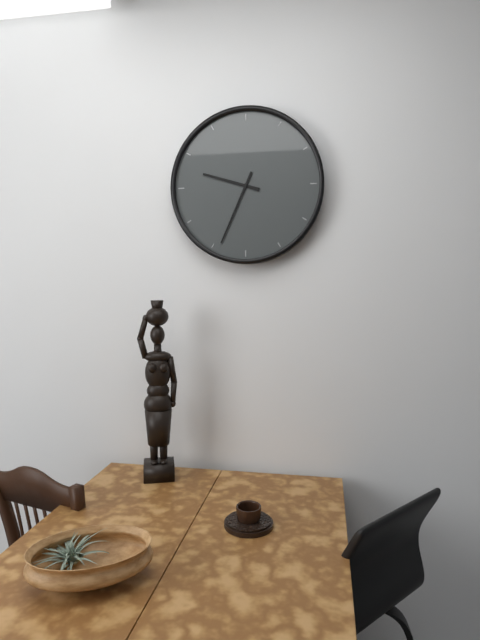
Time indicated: **9:34**
